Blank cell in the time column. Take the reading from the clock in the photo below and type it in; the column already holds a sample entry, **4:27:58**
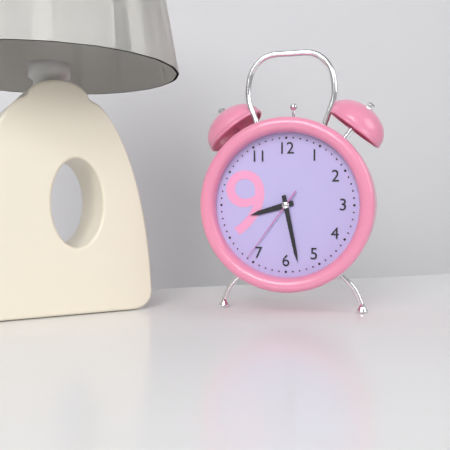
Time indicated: **8:28:36**
